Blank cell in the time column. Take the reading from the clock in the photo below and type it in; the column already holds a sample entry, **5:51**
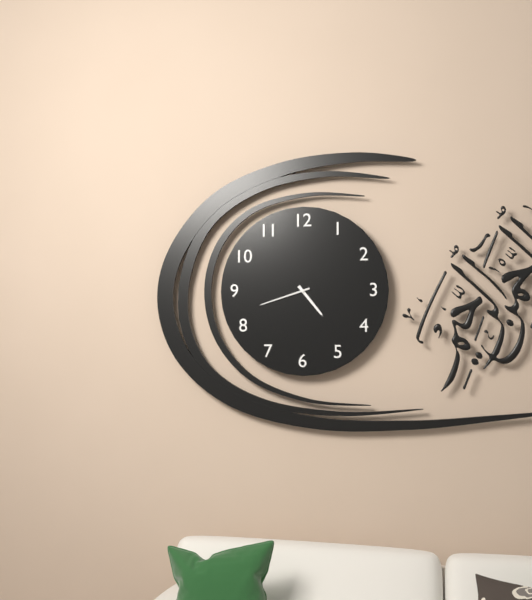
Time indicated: **4:42**
